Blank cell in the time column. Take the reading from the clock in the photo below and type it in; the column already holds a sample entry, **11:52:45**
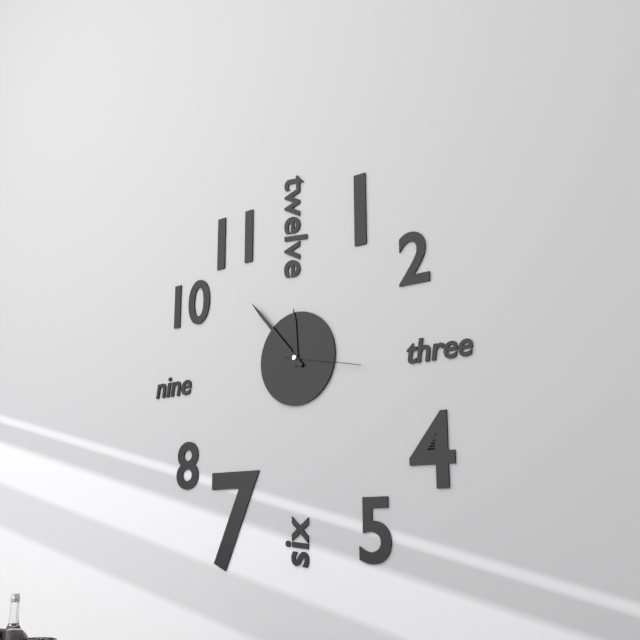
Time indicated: **11:53:17**
